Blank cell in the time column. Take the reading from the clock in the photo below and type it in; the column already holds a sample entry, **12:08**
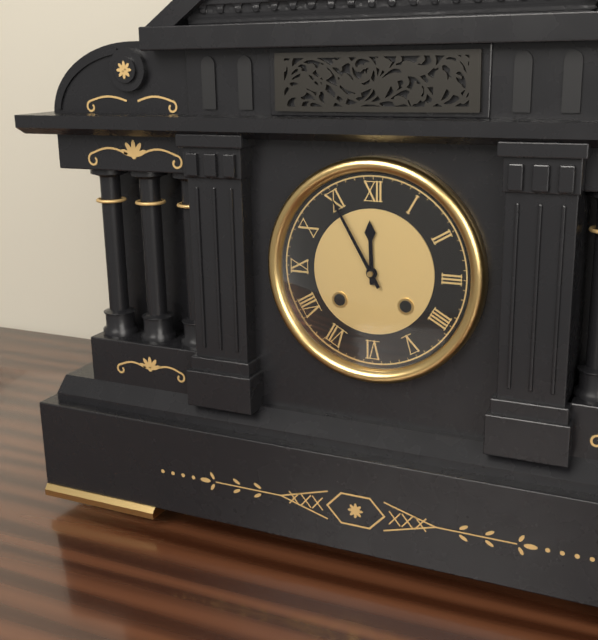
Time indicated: **11:55**
